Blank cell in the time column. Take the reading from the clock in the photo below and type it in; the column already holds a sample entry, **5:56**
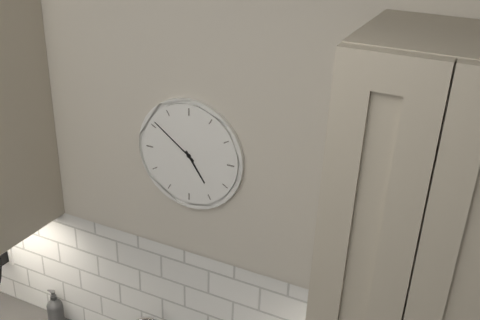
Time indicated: **4:51**
